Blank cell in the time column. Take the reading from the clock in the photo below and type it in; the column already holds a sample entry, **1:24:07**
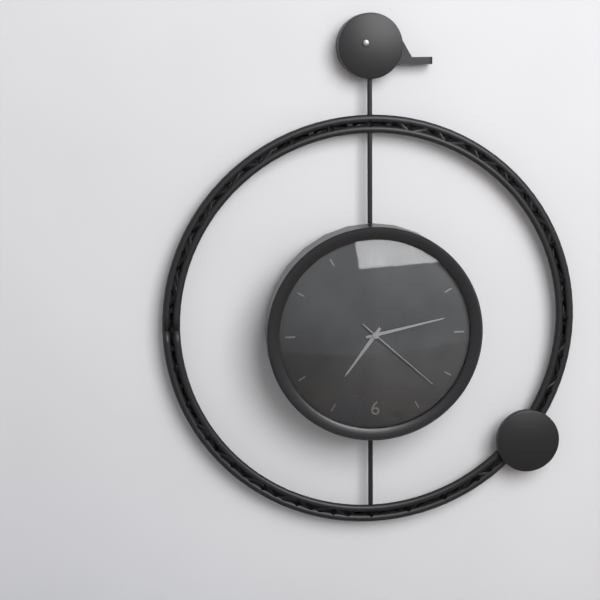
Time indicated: **7:13:22**
